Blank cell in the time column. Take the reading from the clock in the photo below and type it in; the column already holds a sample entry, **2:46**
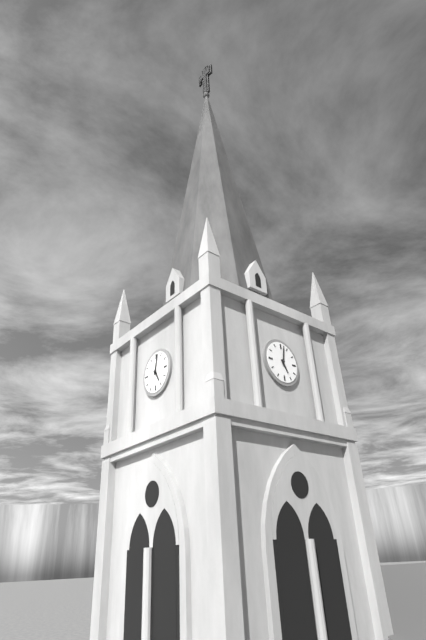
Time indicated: **5:02**
